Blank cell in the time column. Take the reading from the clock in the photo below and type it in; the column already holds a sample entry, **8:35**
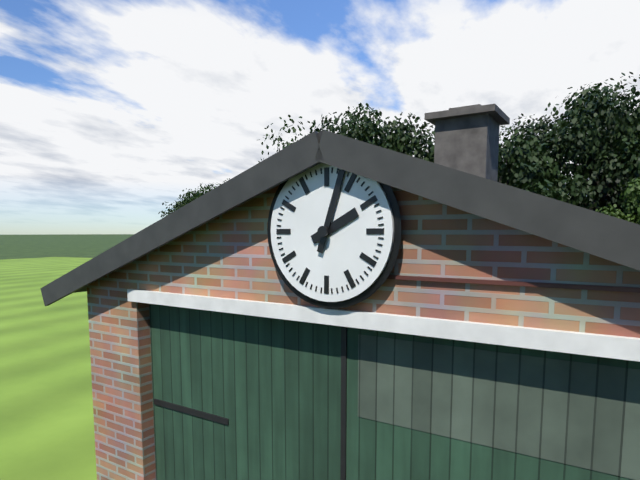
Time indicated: **2:03**
